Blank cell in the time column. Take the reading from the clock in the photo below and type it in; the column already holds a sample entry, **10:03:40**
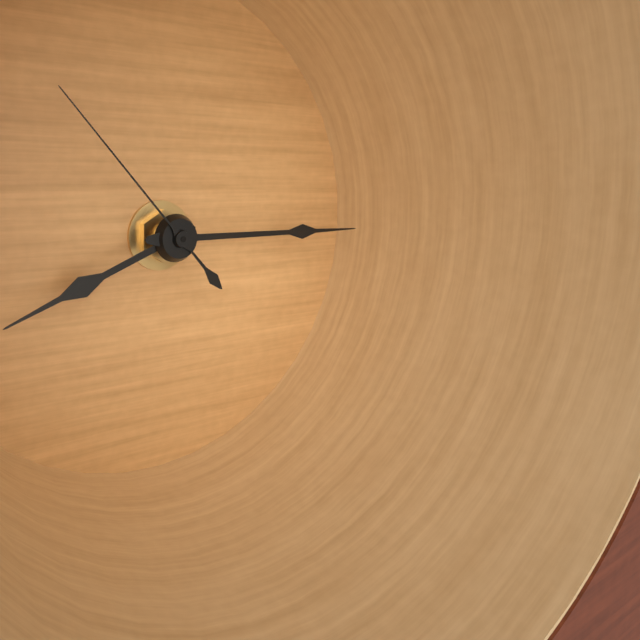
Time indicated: **8:15:53**
